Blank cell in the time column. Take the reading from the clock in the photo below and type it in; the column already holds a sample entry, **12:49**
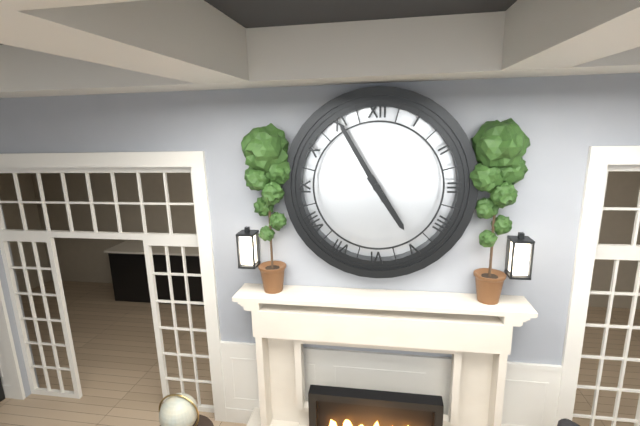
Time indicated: **4:55**
